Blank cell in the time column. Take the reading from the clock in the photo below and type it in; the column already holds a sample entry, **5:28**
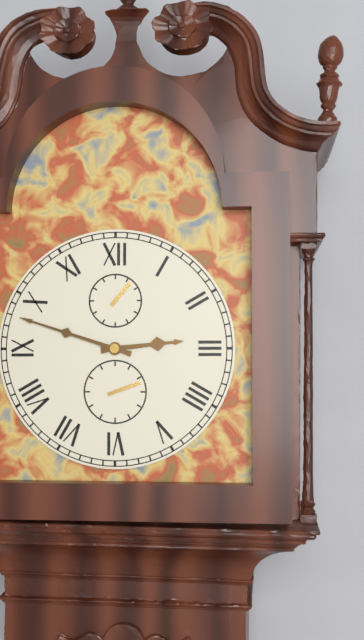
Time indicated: **2:48**
